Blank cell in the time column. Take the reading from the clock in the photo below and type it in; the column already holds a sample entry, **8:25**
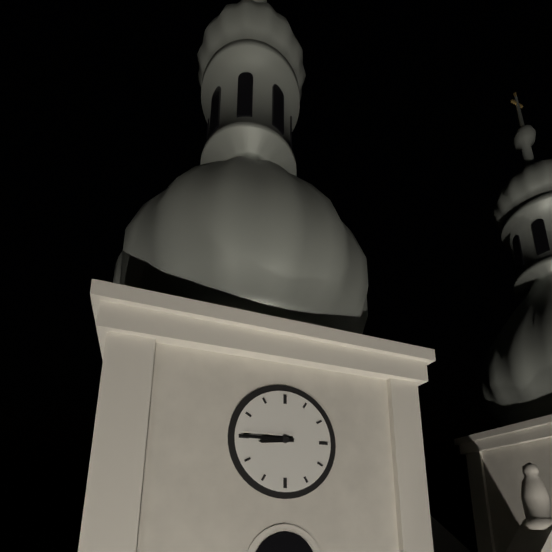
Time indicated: **8:45**
